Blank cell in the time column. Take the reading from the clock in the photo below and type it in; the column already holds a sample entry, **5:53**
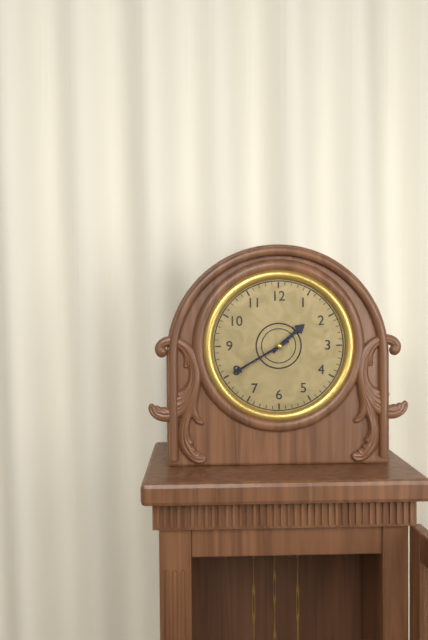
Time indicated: **1:40**
